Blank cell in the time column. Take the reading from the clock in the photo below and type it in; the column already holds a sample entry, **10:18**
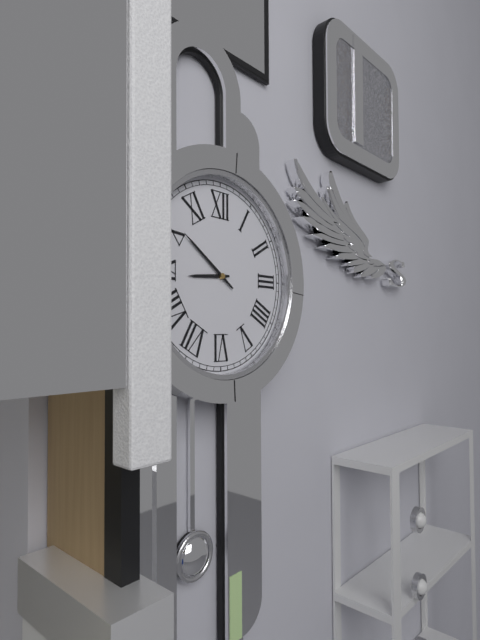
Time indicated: **8:51**
